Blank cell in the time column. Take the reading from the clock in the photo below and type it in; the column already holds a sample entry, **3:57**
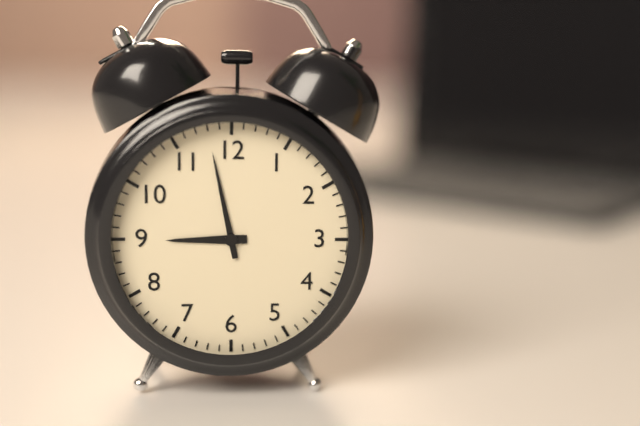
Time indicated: **8:58**
